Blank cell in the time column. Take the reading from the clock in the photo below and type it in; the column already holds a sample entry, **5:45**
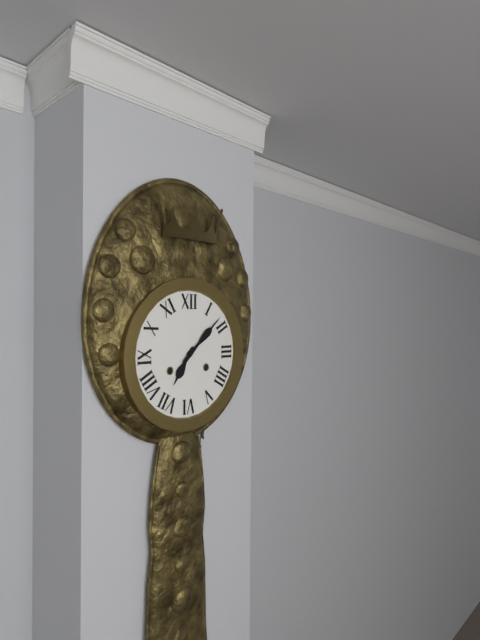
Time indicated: **7:08**
